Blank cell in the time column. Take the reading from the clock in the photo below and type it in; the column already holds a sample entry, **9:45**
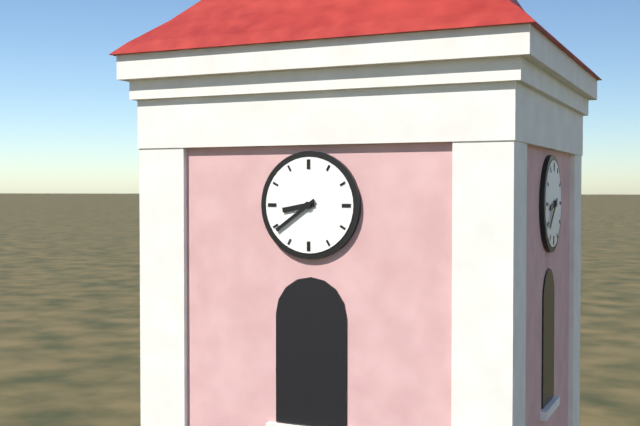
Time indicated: **8:39**
